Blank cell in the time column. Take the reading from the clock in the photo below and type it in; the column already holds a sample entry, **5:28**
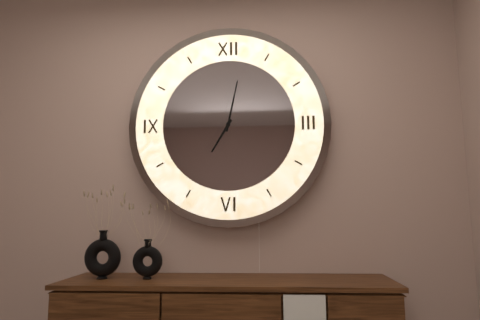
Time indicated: **7:02**
